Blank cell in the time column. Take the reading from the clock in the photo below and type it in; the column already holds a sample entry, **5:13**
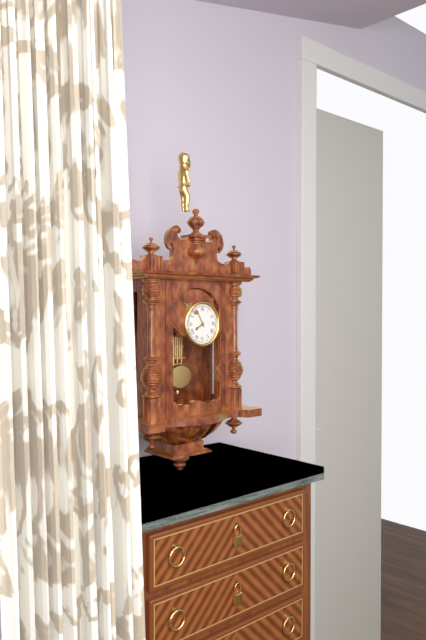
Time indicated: **7:55**
